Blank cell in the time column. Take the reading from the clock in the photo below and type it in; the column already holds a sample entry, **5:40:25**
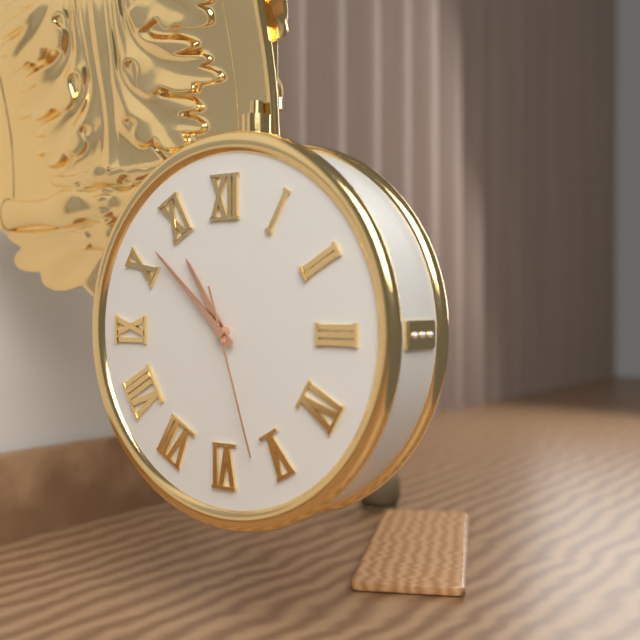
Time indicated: **10:52:27**
